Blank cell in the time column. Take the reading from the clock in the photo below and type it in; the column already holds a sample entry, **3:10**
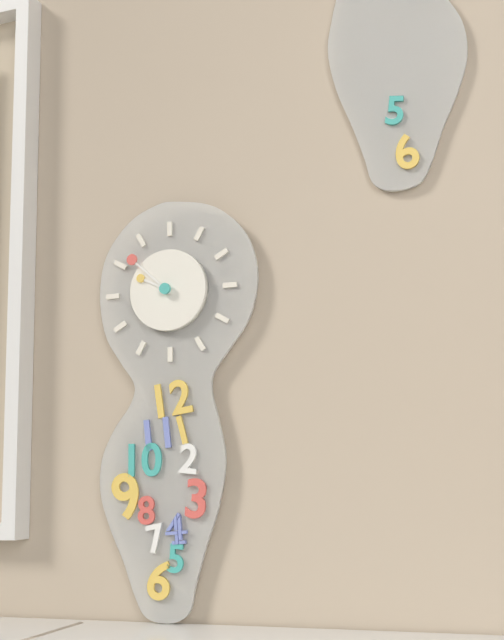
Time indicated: **9:52**
